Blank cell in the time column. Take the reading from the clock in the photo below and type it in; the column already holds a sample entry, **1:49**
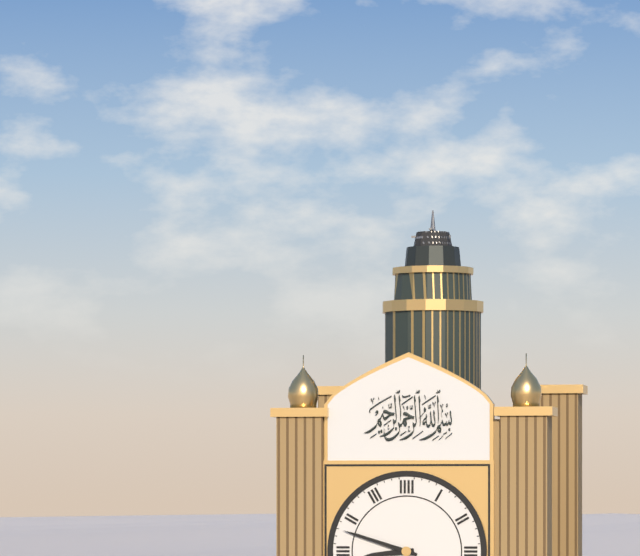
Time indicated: **8:48**
